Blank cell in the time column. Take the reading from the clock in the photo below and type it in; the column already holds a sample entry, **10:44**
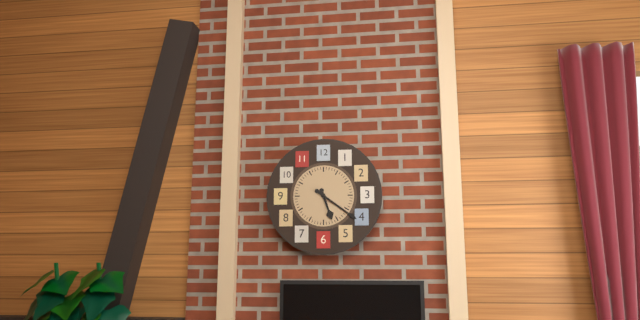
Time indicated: **5:21**
